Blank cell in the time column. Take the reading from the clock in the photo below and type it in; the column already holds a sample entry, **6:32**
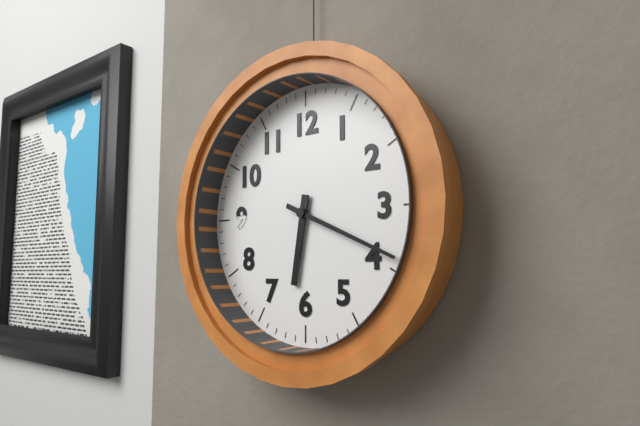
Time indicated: **6:19**
